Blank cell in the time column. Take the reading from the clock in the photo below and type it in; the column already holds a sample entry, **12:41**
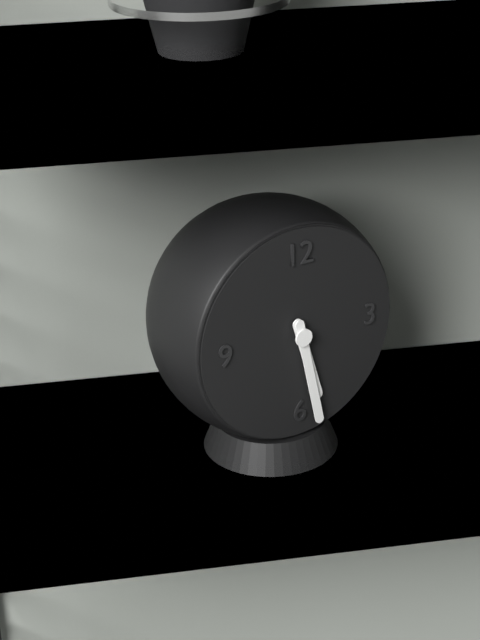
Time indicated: **5:28**
